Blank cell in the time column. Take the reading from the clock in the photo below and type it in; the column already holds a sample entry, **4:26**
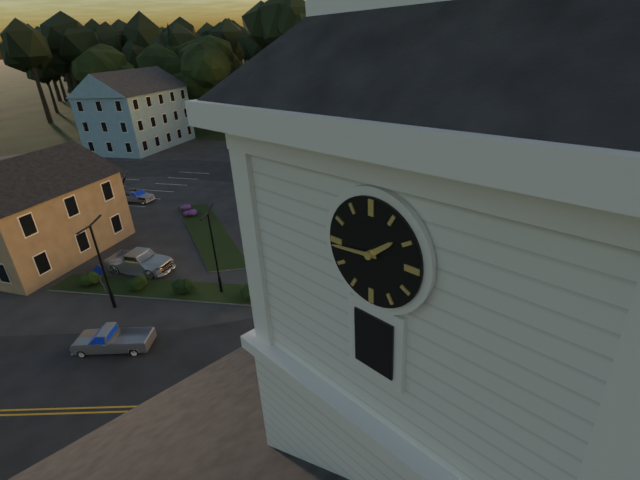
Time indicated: **1:44**
